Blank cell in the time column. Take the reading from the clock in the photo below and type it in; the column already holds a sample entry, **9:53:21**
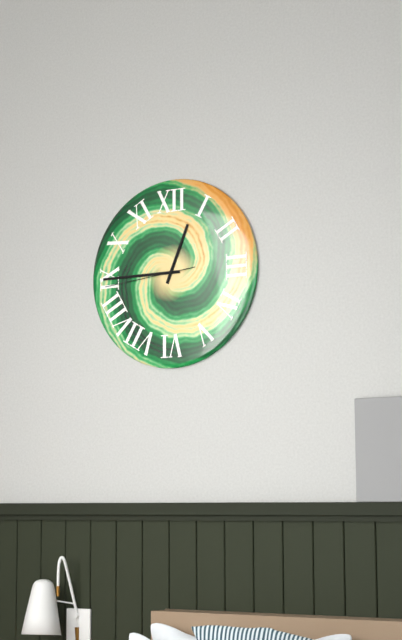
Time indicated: **12:45:44**
